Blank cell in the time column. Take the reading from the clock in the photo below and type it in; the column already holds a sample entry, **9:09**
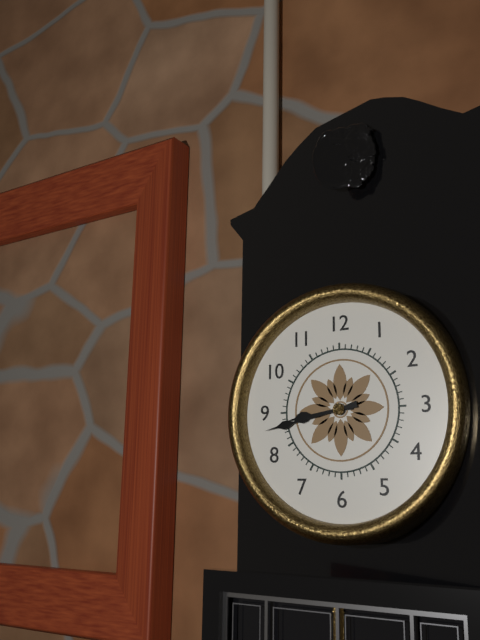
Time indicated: **8:43**
